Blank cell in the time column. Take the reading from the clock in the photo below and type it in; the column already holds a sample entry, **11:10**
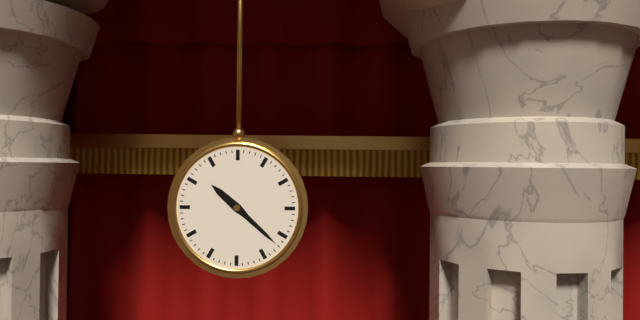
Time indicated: **10:22**
